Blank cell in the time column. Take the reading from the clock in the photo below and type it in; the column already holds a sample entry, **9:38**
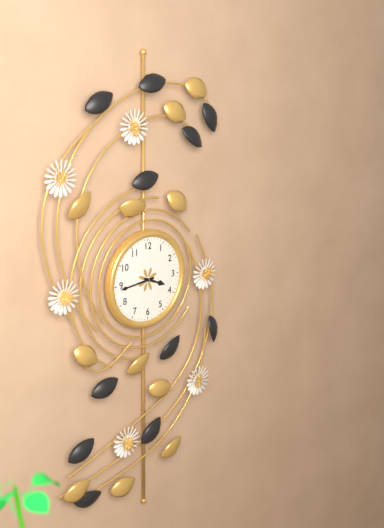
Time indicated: **3:44**
